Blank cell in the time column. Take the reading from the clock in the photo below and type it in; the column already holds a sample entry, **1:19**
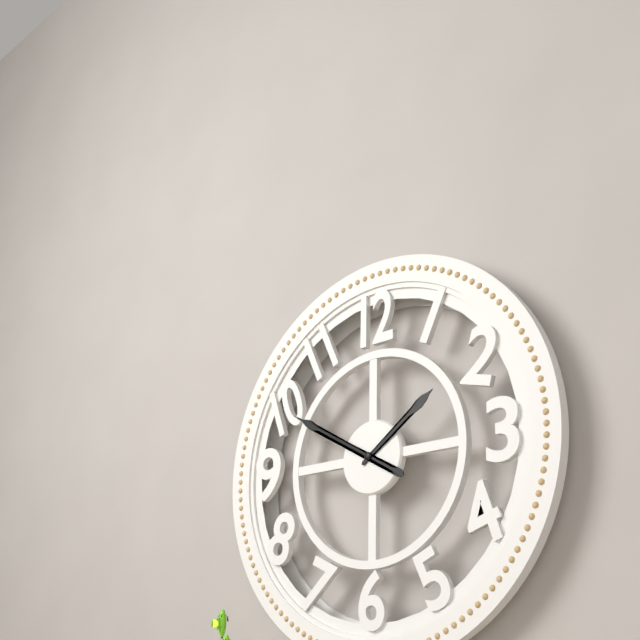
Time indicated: **1:50**
